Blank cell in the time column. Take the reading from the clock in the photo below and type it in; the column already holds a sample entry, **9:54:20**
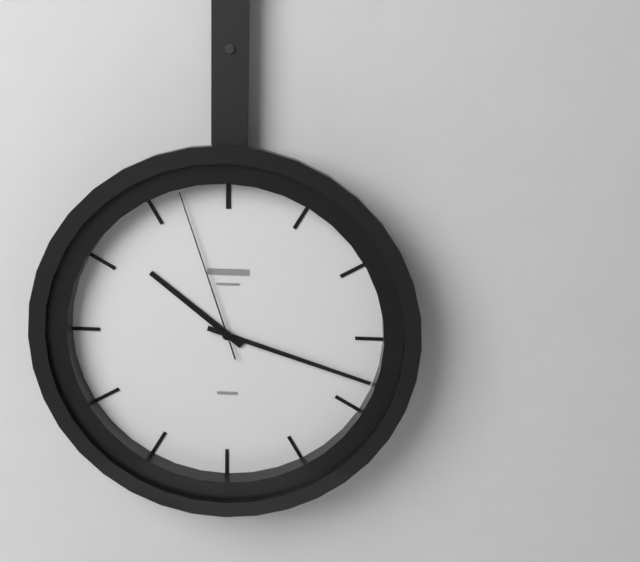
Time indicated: **10:18:57**
